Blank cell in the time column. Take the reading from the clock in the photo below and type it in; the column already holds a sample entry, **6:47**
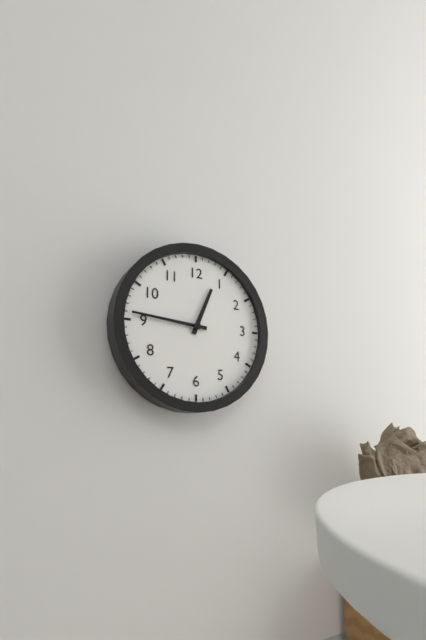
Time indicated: **12:46**
